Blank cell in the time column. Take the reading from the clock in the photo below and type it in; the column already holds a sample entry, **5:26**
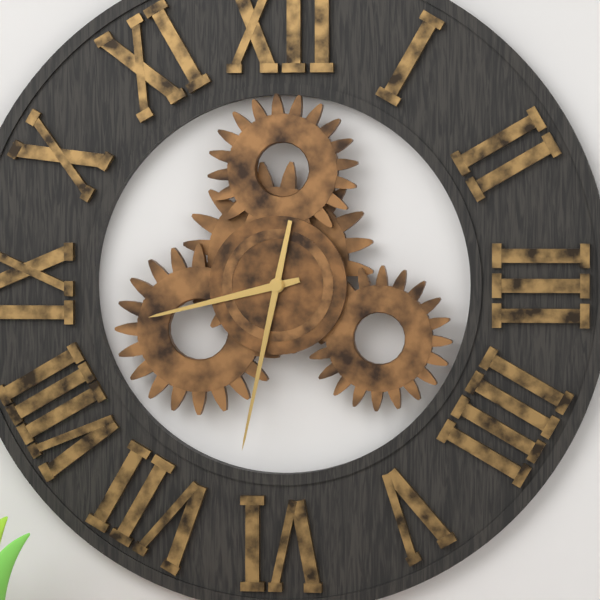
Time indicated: **8:32**
